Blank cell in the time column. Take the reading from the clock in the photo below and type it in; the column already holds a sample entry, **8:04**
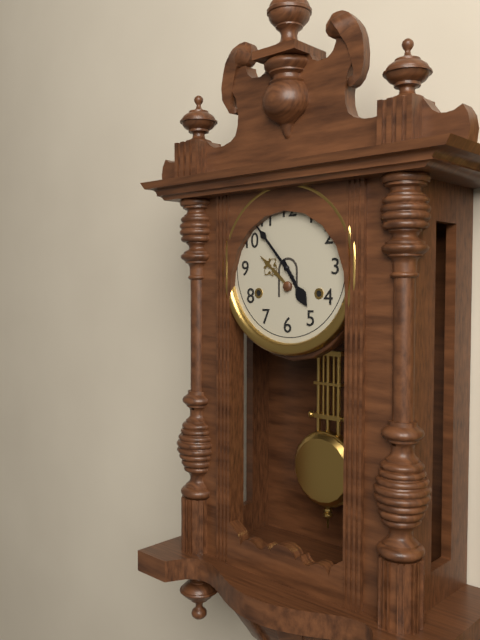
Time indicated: **4:53**
